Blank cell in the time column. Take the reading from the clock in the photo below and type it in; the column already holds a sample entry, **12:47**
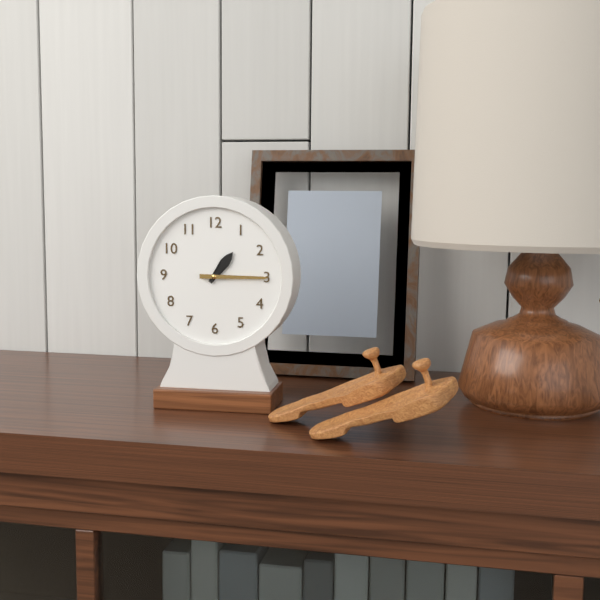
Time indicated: **1:15**
